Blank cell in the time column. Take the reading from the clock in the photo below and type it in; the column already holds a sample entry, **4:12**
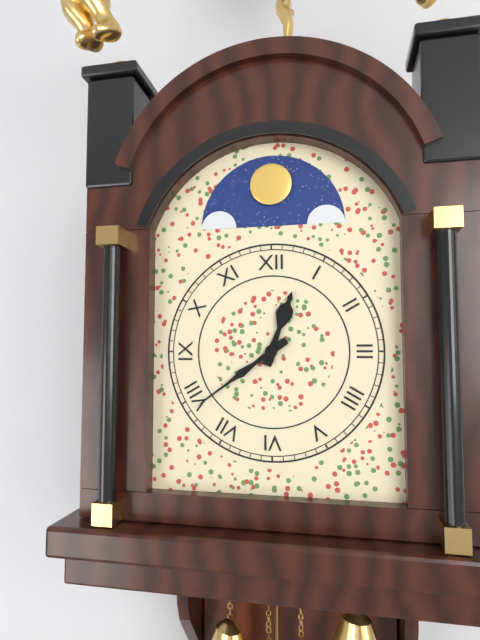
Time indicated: **12:39**
